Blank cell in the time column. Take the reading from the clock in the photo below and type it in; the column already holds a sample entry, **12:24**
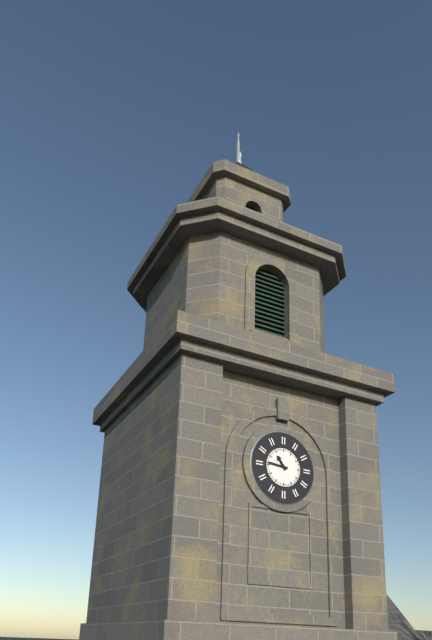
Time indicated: **10:46**
